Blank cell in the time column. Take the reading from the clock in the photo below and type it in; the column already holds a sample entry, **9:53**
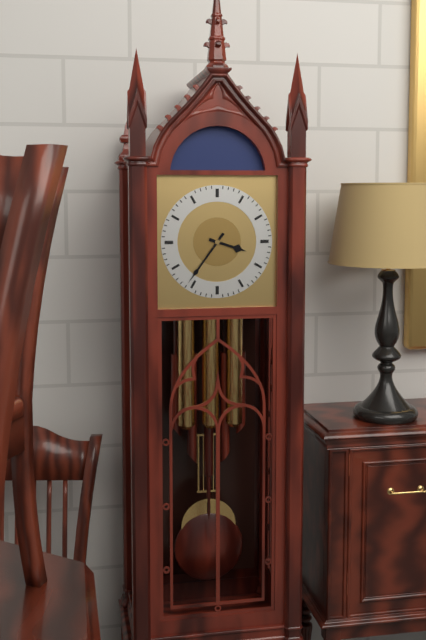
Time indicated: **3:36**
